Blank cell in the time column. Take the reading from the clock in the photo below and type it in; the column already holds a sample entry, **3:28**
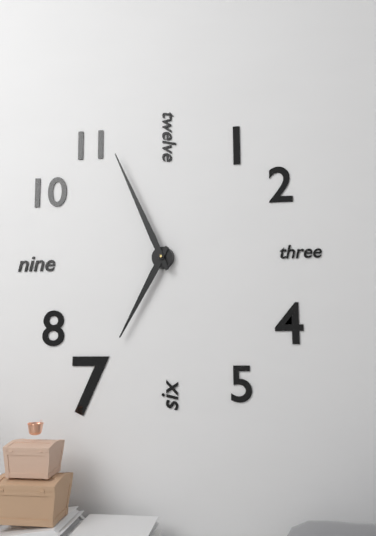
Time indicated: **6:56**
